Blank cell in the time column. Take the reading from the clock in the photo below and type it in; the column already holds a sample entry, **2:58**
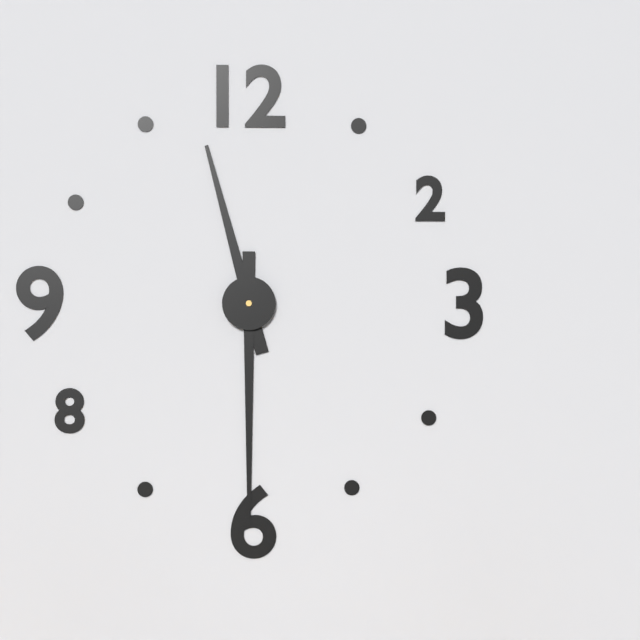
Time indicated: **11:30**
